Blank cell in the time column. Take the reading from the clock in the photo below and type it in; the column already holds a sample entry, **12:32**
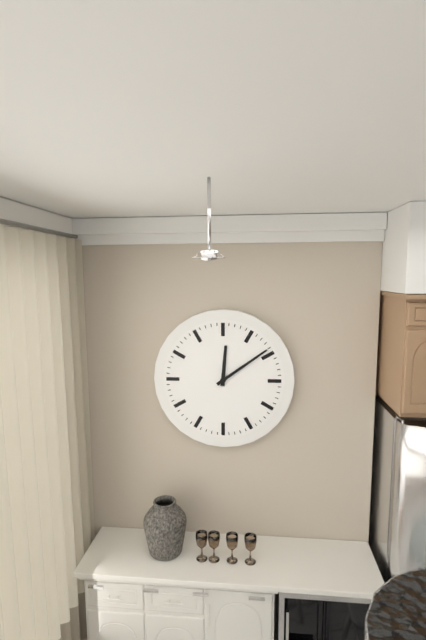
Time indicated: **12:09**
